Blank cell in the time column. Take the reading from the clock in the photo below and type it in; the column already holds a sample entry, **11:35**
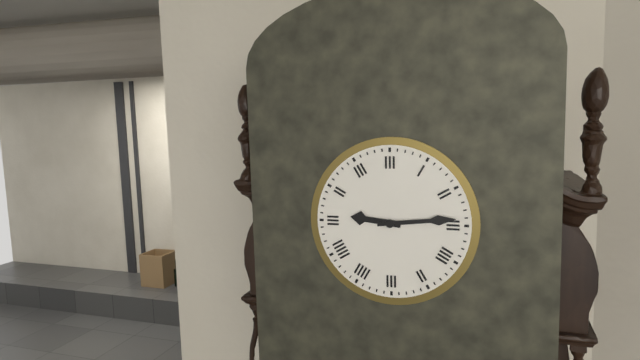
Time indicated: **9:14**
